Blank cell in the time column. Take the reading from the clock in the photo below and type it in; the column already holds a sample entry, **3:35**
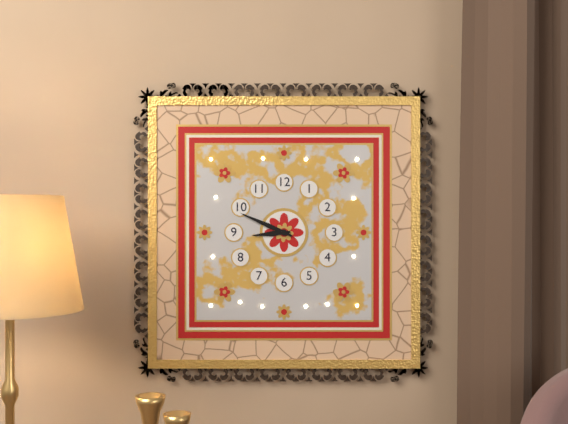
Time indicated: **8:49**
